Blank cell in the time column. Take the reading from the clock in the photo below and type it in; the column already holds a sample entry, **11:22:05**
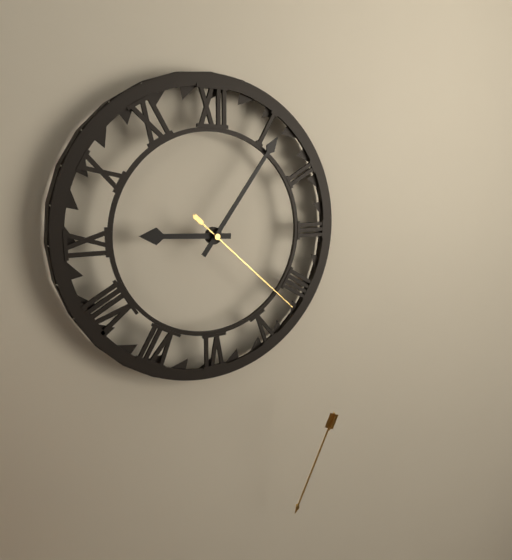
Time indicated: **9:06:22**
